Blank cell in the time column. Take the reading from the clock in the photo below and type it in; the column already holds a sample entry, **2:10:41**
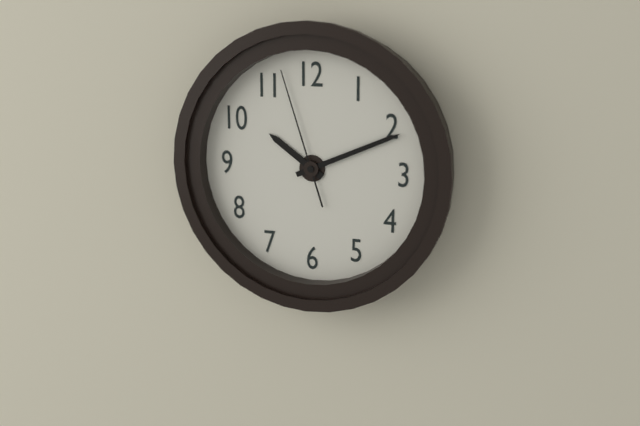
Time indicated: **10:11:57**
